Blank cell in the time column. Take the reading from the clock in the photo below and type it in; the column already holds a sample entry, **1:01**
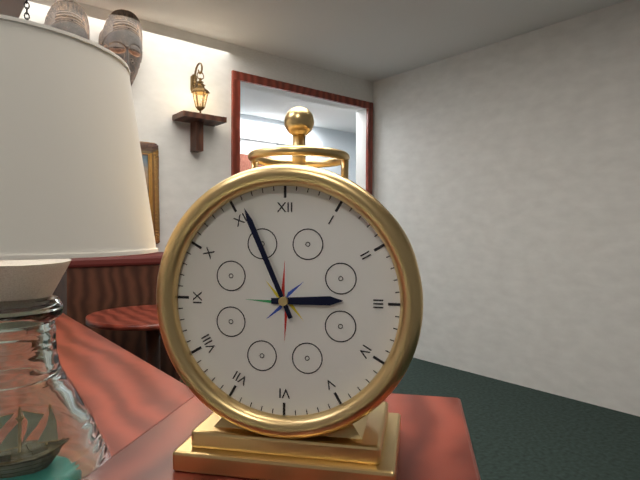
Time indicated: **2:56**
